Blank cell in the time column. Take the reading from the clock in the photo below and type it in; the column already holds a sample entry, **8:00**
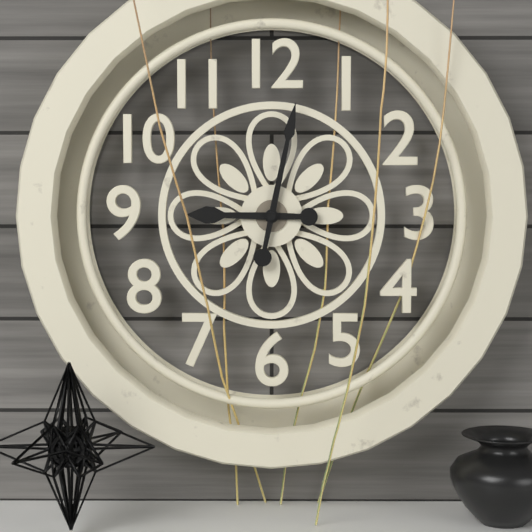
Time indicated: **9:02**
